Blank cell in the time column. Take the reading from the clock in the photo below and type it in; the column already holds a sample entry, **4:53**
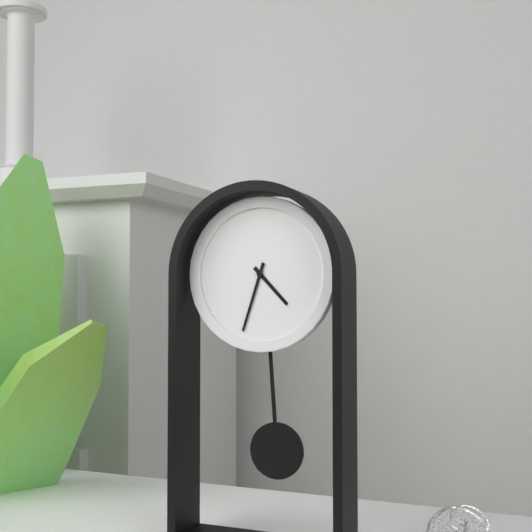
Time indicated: **4:33**
